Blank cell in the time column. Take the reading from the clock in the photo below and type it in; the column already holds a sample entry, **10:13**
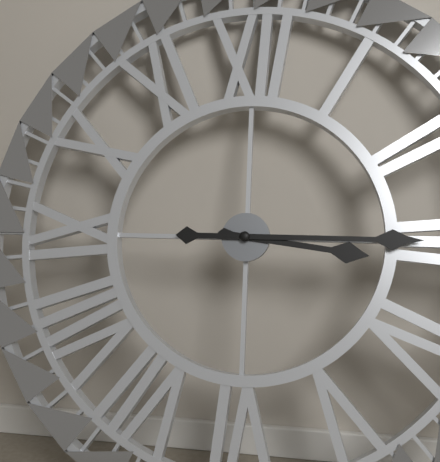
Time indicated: **3:15**
